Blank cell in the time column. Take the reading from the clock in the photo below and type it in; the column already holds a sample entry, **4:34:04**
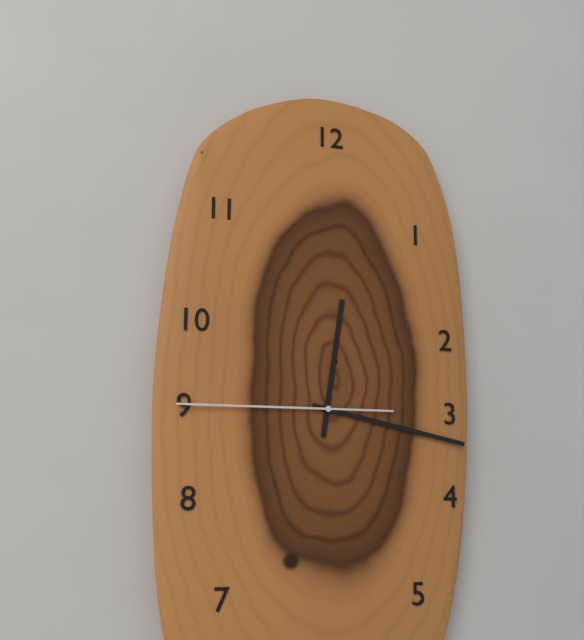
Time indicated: **12:17:45**
